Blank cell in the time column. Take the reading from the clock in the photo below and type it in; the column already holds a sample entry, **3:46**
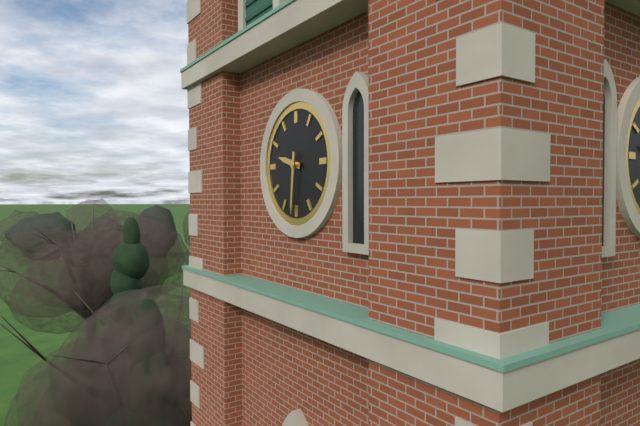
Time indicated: **9:31**
